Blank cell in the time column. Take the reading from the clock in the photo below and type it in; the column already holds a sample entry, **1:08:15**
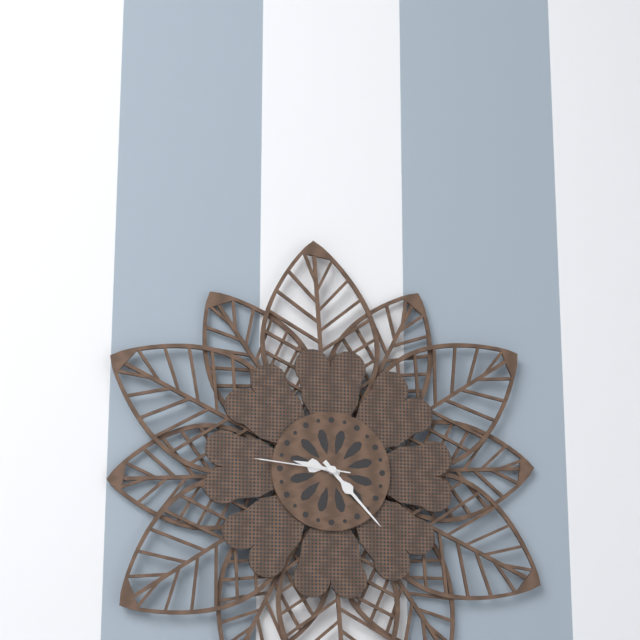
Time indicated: **9:23:46**
